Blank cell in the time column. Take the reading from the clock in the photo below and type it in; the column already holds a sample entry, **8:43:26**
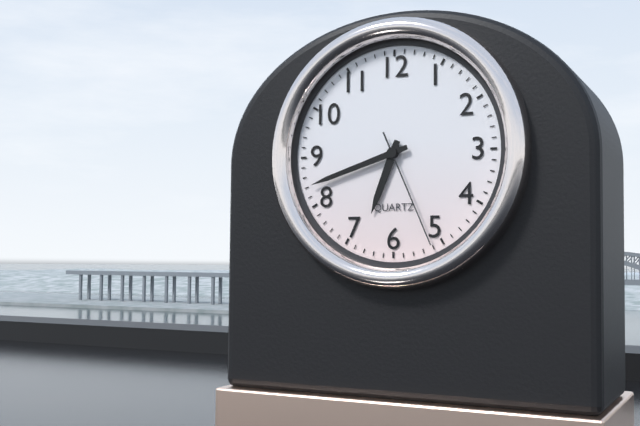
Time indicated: **6:42:26**
